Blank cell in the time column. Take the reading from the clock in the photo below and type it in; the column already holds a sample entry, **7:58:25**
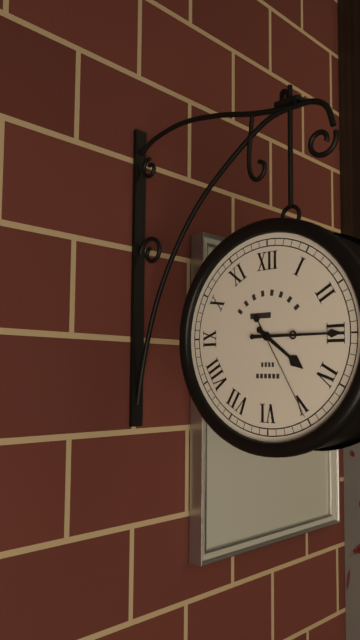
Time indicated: **4:15:25**
